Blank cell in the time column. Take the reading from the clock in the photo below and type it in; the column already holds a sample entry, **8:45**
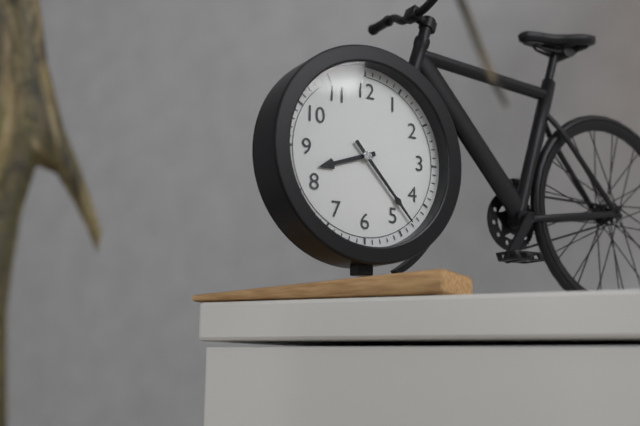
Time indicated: **8:23**
